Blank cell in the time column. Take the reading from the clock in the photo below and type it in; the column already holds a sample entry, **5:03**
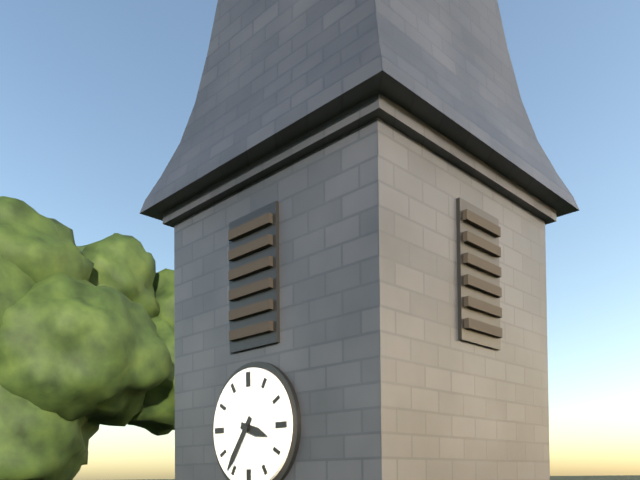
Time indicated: **3:36**
